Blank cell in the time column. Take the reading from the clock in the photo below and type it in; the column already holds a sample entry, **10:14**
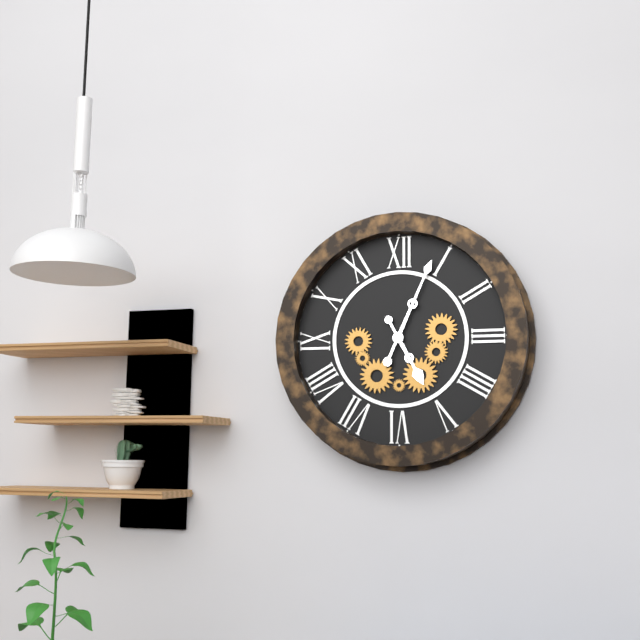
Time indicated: **5:04**
